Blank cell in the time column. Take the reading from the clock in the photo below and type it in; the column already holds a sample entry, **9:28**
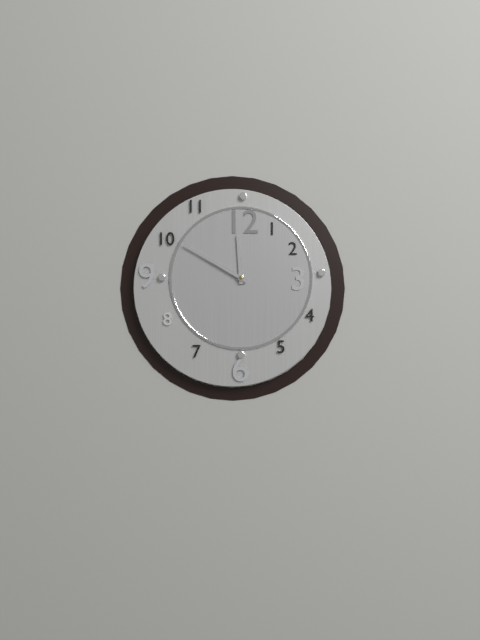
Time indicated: **11:50**
